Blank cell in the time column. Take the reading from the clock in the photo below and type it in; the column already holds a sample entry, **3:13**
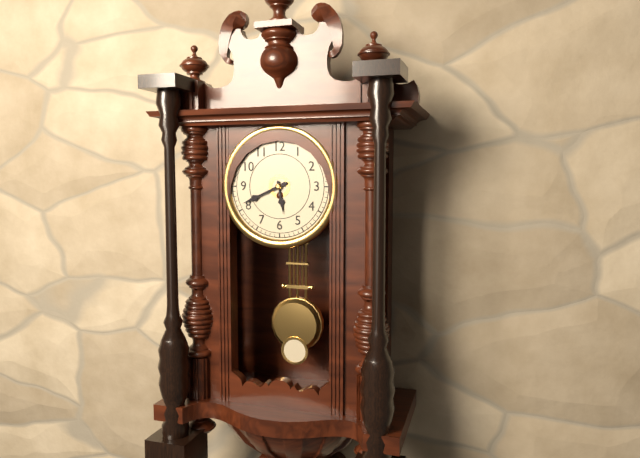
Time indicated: **5:41**
